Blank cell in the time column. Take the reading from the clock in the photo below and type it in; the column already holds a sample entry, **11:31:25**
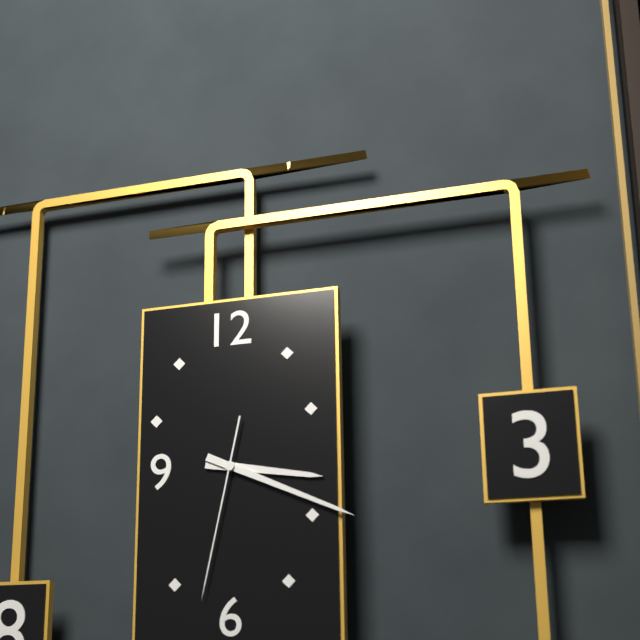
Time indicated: **3:19:32**
